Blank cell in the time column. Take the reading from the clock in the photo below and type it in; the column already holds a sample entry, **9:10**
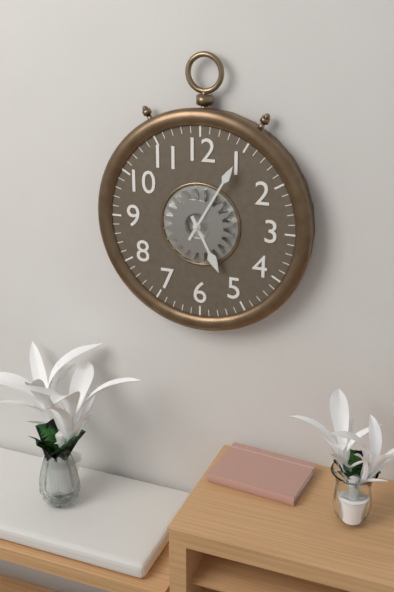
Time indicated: **5:05**
